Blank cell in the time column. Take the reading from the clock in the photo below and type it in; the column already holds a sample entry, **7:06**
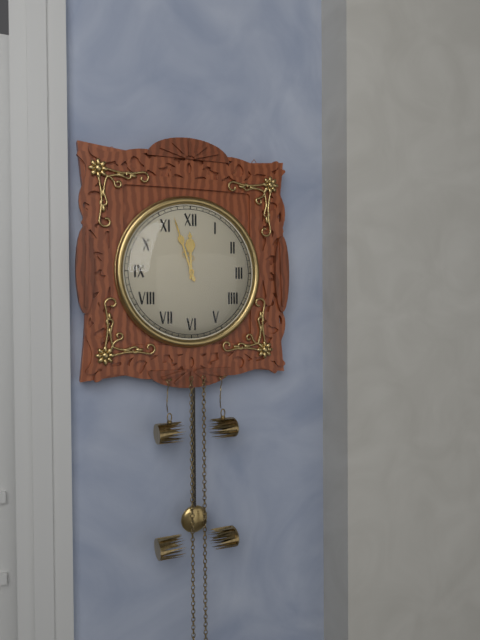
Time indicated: **11:57**
